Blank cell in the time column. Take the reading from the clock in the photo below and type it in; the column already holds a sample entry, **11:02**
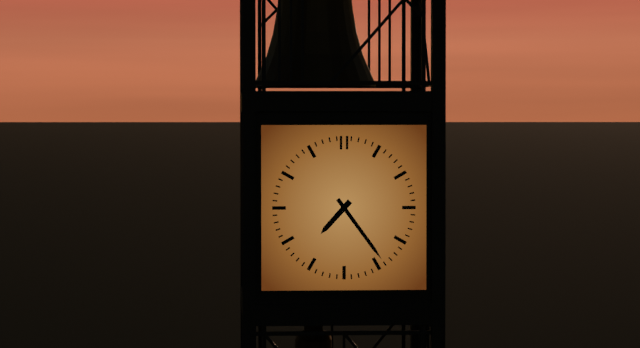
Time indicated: **7:24**
